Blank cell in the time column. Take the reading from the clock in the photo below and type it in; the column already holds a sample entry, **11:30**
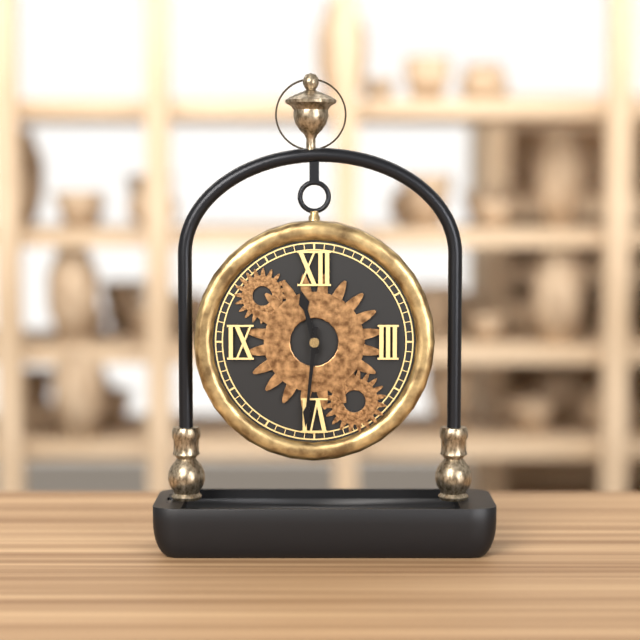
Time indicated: **11:31**
